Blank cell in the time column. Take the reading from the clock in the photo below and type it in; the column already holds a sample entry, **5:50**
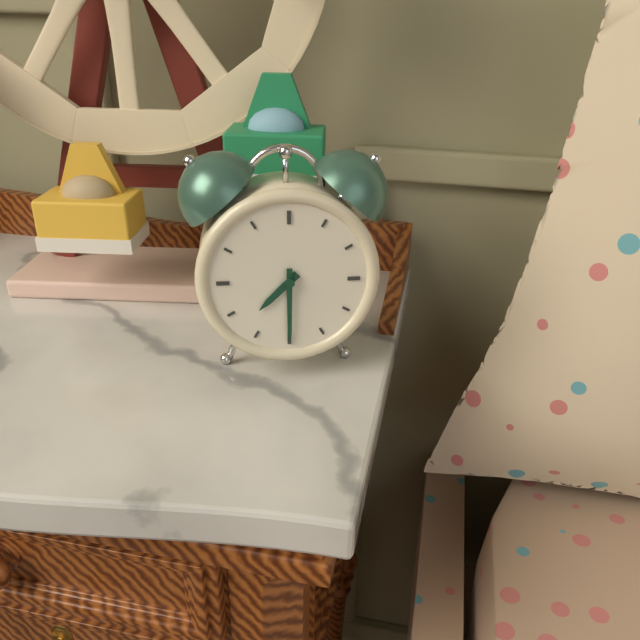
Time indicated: **7:30**
